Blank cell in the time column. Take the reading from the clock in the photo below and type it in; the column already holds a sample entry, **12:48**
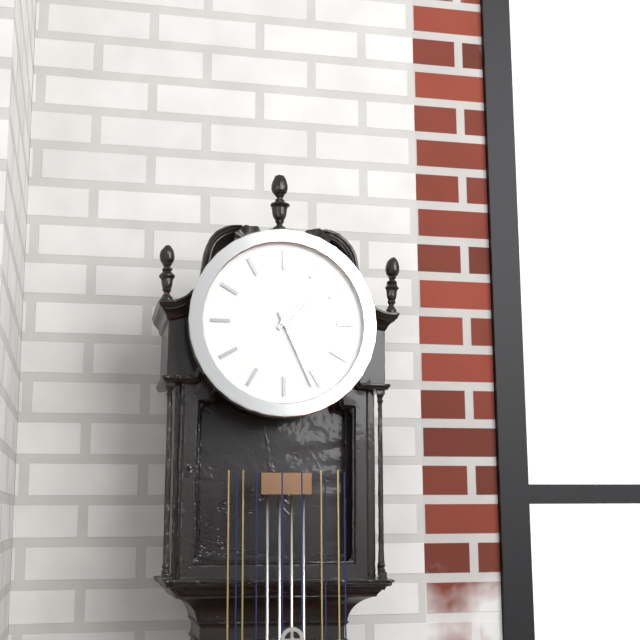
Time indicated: **1:26**
